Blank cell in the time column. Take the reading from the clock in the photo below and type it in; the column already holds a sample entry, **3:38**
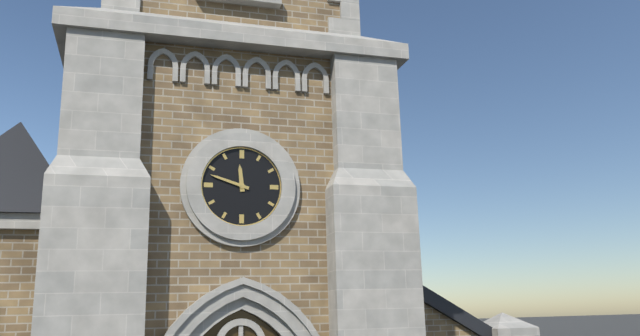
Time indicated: **11:48**
